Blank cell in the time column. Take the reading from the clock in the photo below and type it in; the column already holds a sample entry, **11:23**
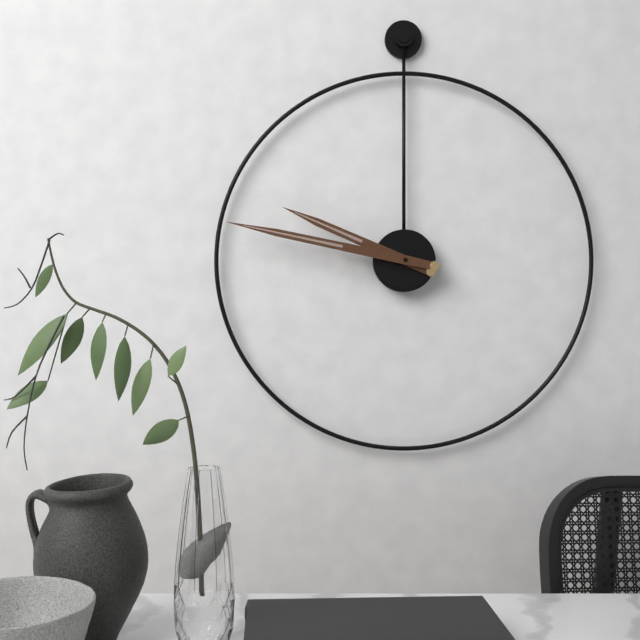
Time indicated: **9:47**
